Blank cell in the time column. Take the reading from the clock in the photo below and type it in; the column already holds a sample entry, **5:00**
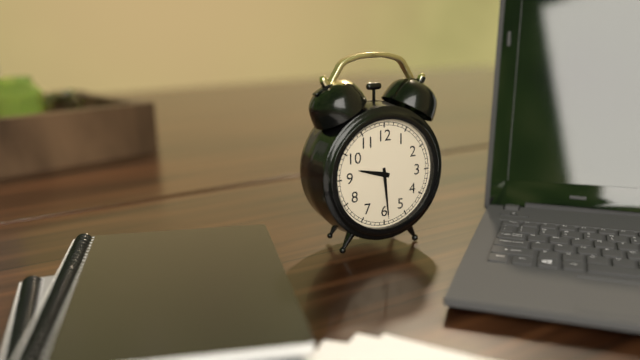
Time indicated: **9:29**
